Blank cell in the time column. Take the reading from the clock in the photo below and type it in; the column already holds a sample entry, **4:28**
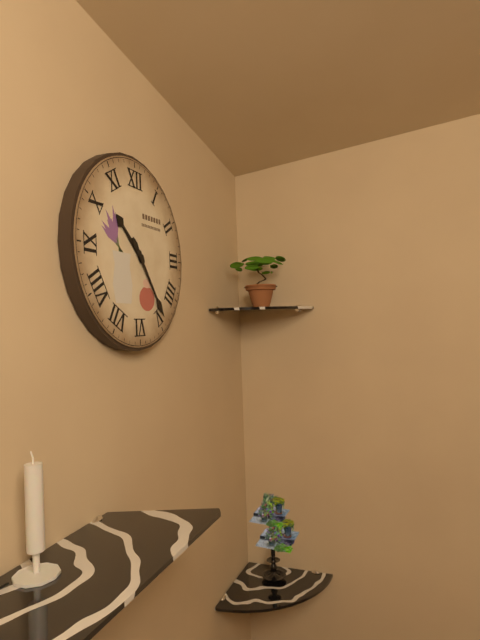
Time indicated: **10:24**
